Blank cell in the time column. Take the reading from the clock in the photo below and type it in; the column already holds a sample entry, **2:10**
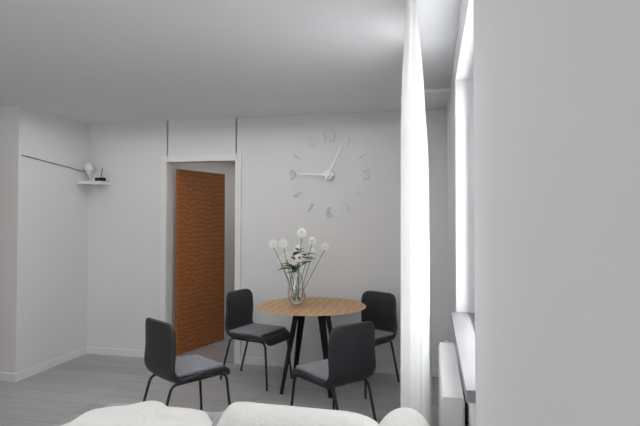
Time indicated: **9:04**
